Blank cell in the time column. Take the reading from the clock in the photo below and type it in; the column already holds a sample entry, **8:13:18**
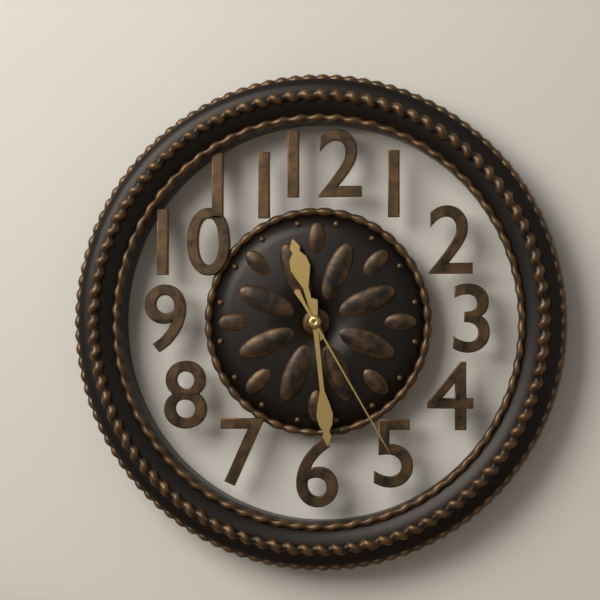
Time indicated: **11:29:25**
